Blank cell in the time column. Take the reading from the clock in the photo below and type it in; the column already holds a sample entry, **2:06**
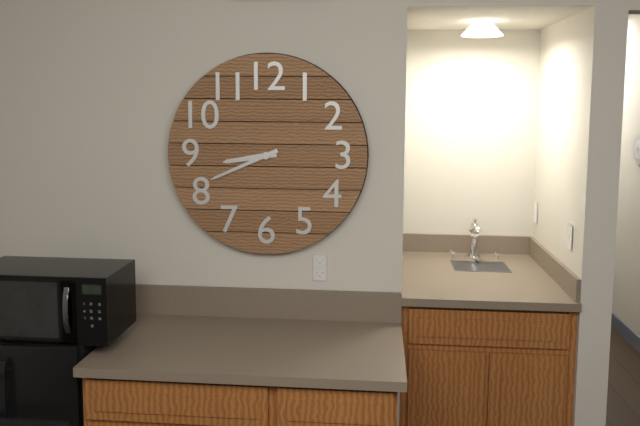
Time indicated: **8:41**
